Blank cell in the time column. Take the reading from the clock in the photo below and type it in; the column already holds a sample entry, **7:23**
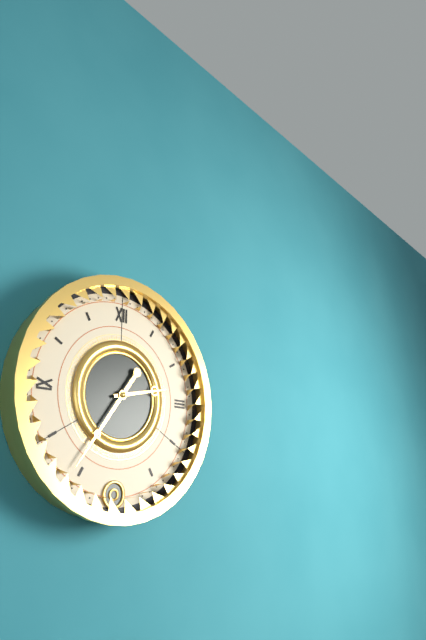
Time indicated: **2:36**
